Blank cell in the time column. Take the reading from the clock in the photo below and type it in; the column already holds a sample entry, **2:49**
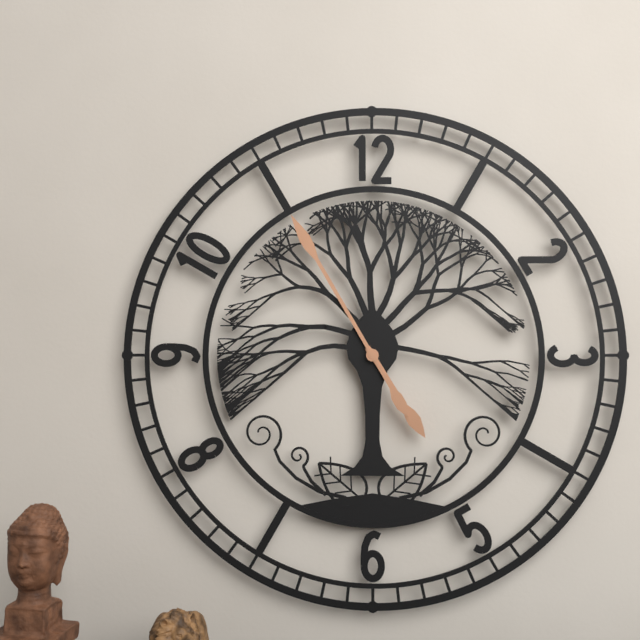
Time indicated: **4:55**
